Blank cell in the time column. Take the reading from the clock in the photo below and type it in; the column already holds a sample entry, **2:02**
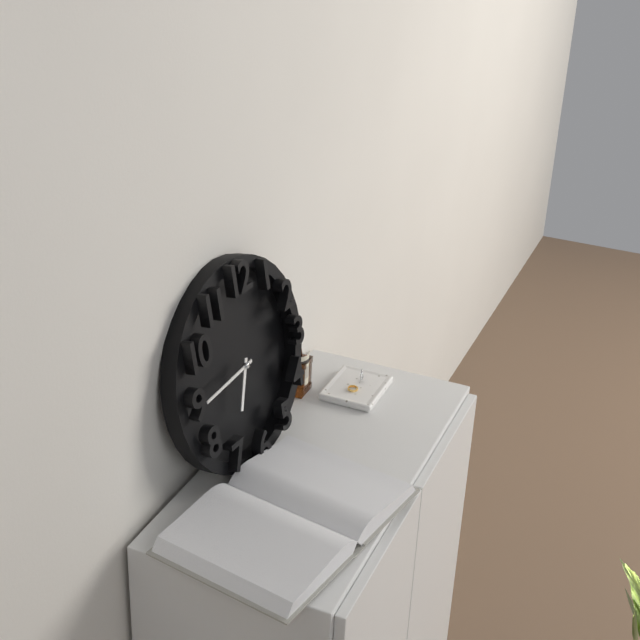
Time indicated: **6:44**
